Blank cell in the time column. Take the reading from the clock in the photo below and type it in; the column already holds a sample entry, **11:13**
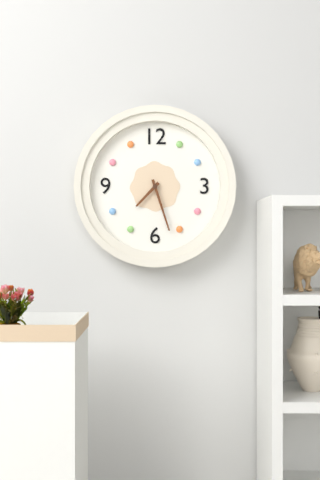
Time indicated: **7:27**
